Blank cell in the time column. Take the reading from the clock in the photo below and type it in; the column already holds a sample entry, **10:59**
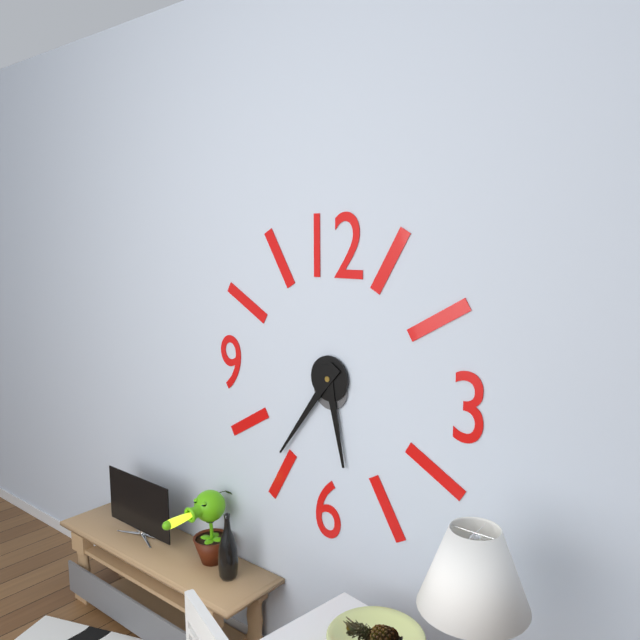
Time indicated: **5:36**
